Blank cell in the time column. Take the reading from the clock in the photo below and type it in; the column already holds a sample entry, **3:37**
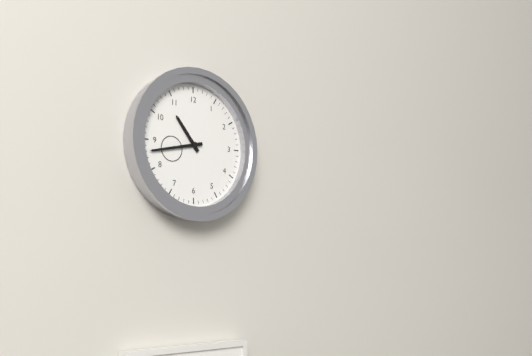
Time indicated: **10:43**
